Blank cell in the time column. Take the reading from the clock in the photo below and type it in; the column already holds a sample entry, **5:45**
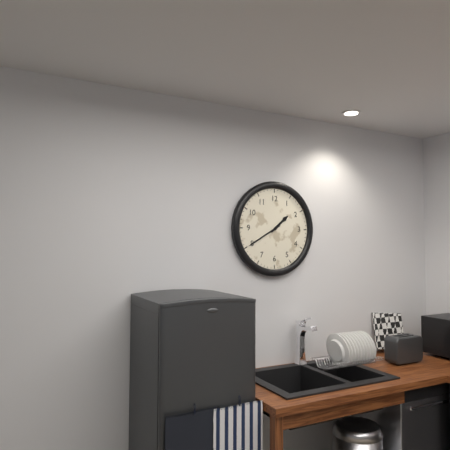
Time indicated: **1:40**
